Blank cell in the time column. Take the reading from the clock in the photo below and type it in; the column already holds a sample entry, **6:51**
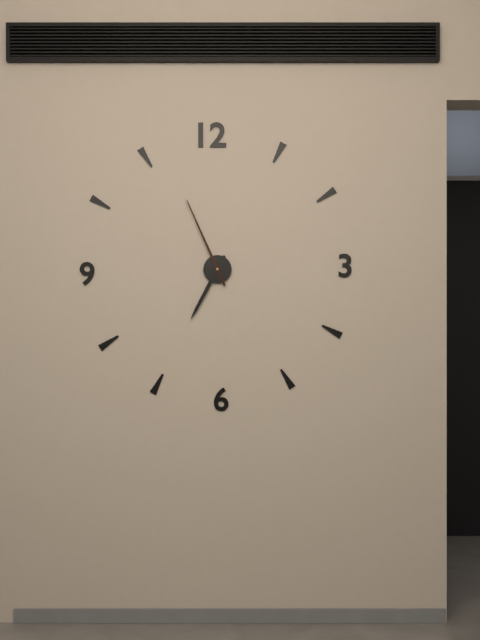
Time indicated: **6:56**
